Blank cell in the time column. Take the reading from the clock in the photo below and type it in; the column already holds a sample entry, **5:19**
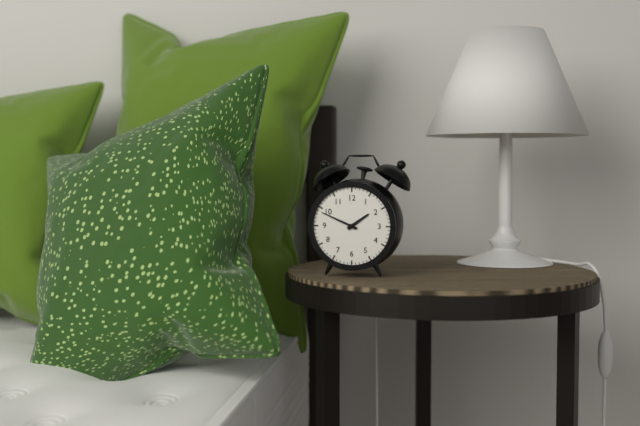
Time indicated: **1:49**
